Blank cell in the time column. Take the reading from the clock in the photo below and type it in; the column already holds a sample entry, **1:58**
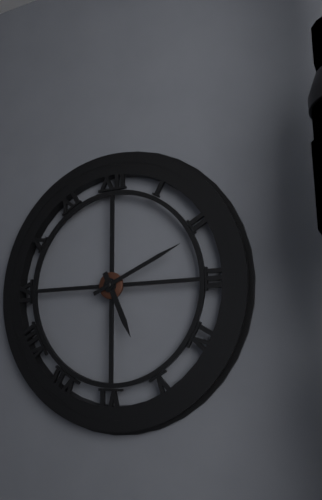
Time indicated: **5:11**
